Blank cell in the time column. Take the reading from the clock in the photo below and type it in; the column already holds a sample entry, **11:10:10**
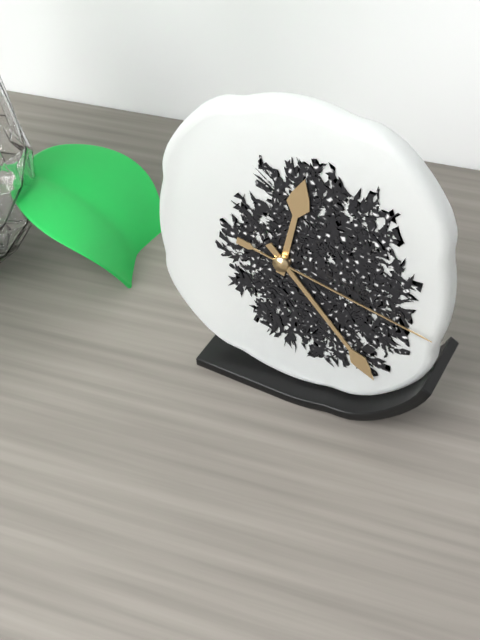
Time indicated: **12:23:17**
